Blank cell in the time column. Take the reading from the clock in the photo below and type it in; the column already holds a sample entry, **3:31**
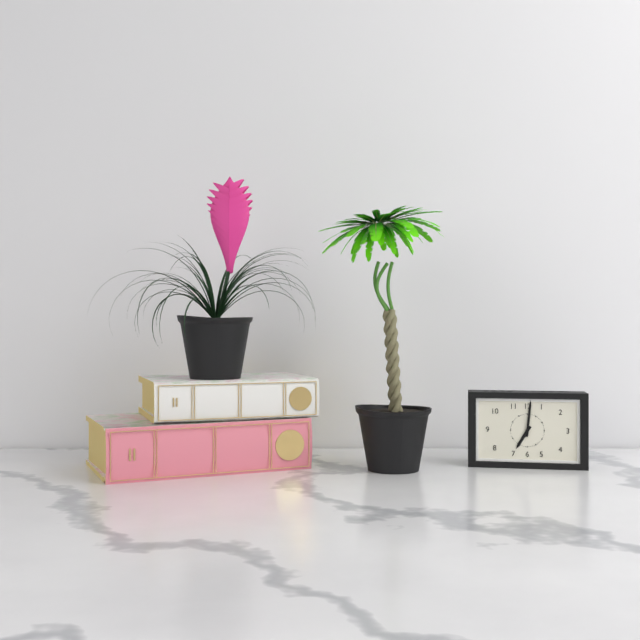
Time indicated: **7:01**
